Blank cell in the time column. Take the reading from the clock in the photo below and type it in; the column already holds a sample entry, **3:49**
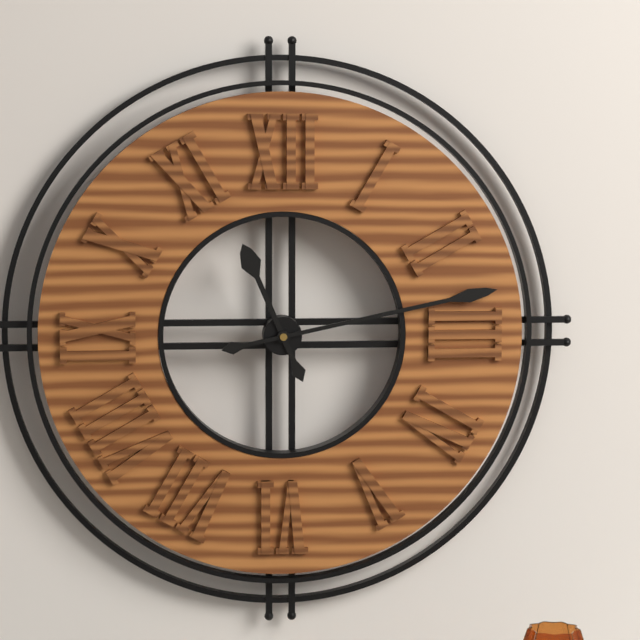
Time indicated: **11:13**
